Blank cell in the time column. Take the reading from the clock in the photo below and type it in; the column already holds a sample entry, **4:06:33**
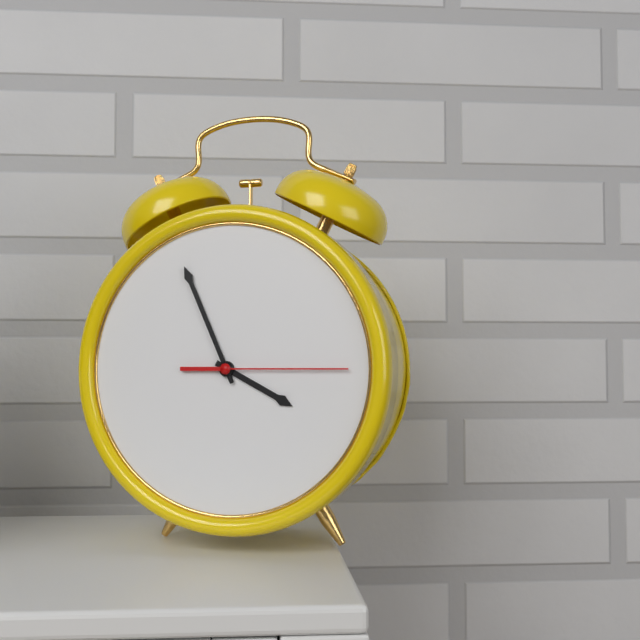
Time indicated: **3:56:15**
